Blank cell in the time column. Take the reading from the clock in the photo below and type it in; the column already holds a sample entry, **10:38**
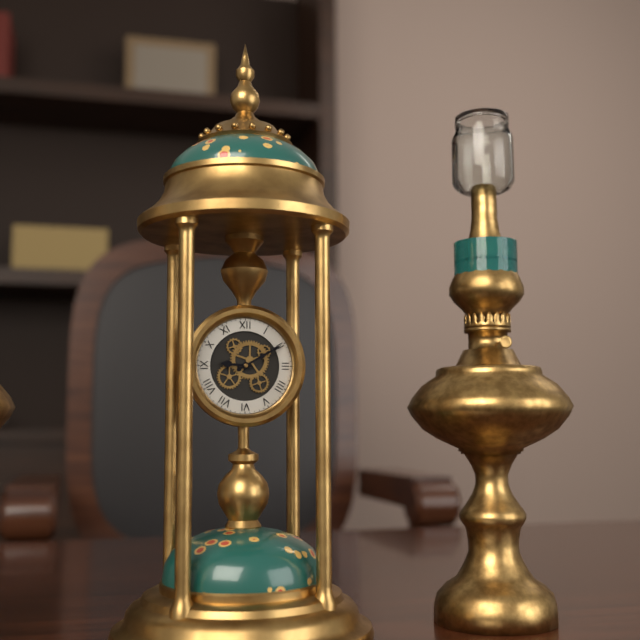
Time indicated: **9:10**
